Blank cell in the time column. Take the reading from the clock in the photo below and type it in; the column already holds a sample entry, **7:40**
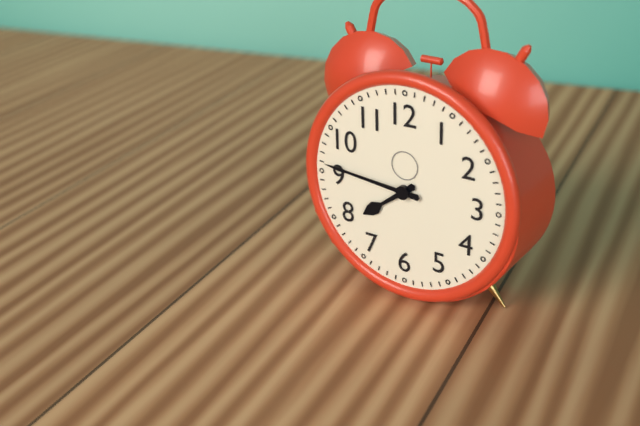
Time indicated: **7:46**
